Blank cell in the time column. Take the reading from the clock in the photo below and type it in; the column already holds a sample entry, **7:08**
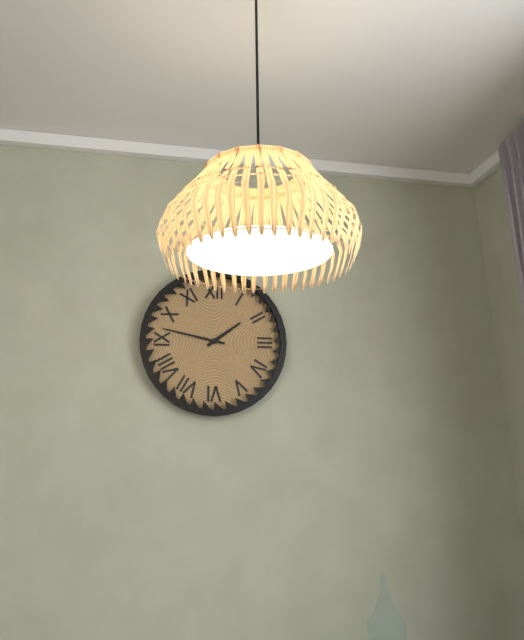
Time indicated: **1:47**
